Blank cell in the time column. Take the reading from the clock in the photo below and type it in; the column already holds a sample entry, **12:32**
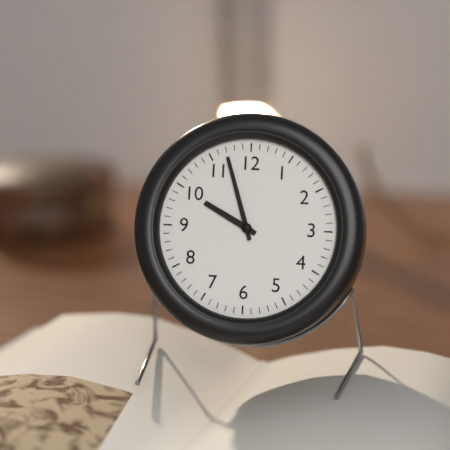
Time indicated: **9:57**
